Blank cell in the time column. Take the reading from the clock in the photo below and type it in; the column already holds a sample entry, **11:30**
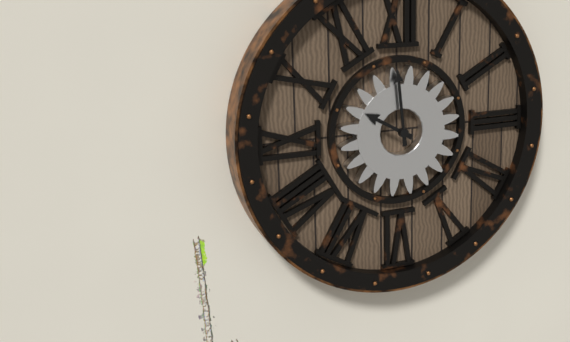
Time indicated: **9:59**
